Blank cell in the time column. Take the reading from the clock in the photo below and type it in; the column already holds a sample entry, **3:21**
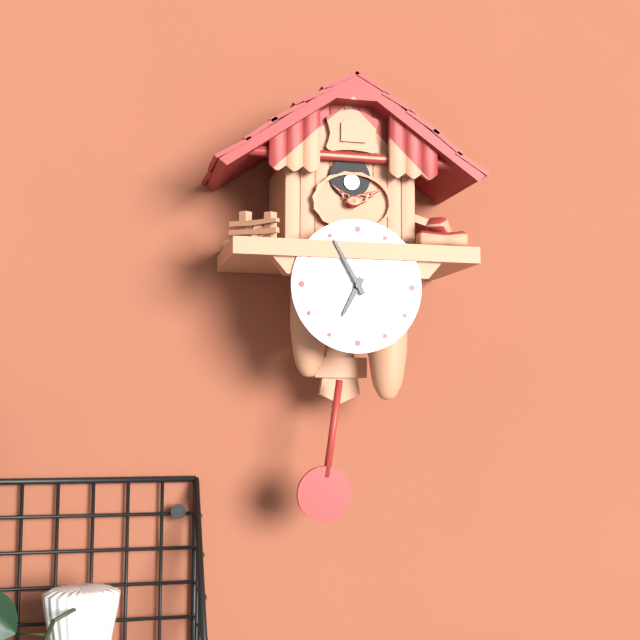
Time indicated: **6:55**
